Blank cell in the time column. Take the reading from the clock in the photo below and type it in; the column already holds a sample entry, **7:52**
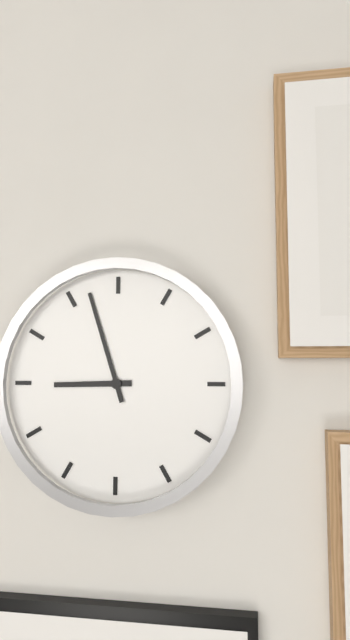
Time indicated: **8:57**
